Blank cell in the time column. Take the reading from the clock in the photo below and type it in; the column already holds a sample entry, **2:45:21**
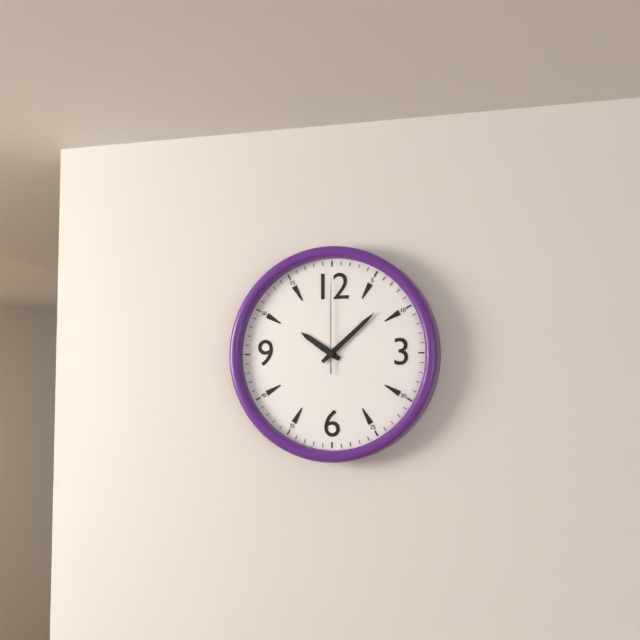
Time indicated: **10:08:00**
